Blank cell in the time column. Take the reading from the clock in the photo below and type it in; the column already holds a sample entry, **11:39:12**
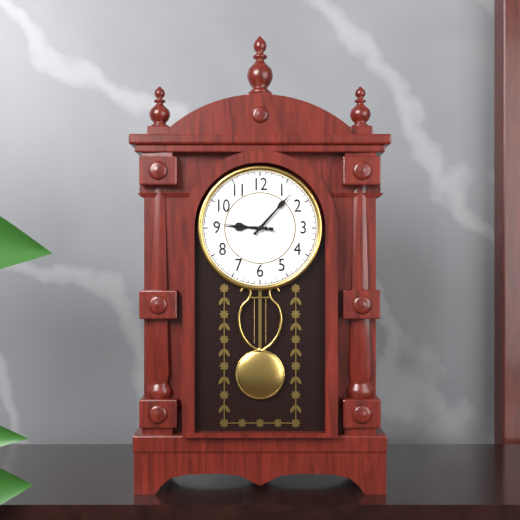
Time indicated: **9:07:46**
